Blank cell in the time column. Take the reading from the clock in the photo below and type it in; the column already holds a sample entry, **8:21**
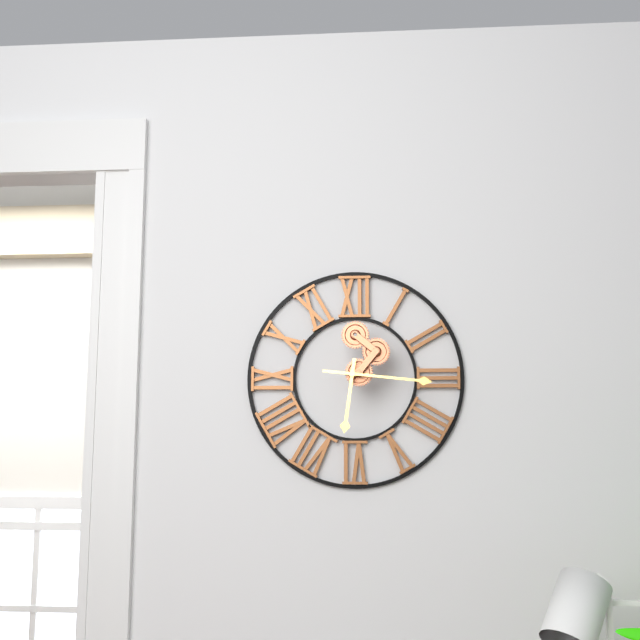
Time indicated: **6:16**
